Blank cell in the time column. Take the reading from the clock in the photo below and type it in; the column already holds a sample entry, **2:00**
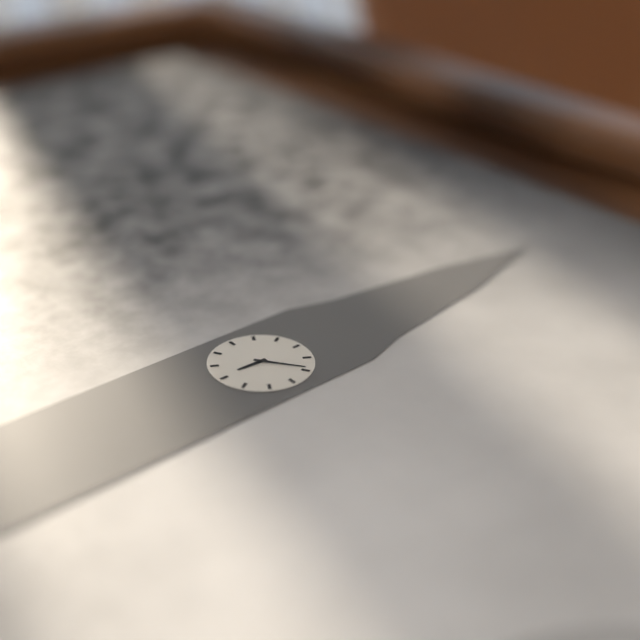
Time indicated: **6:09**
